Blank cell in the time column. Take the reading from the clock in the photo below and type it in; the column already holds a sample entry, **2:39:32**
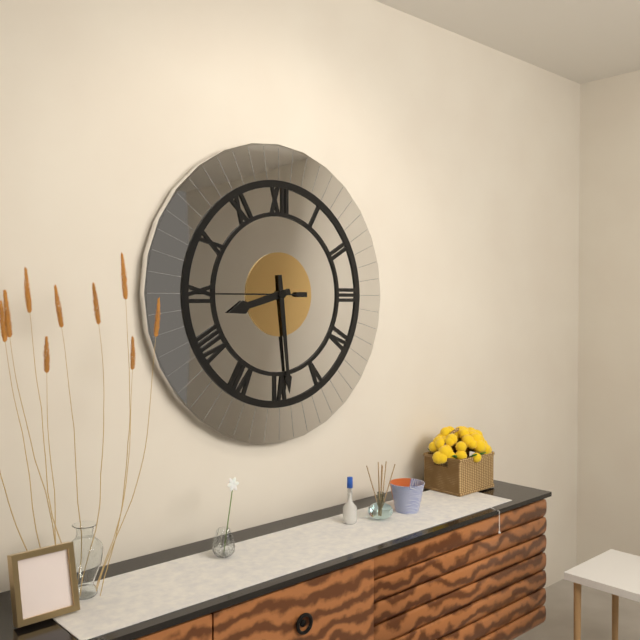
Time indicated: **8:29:45**
